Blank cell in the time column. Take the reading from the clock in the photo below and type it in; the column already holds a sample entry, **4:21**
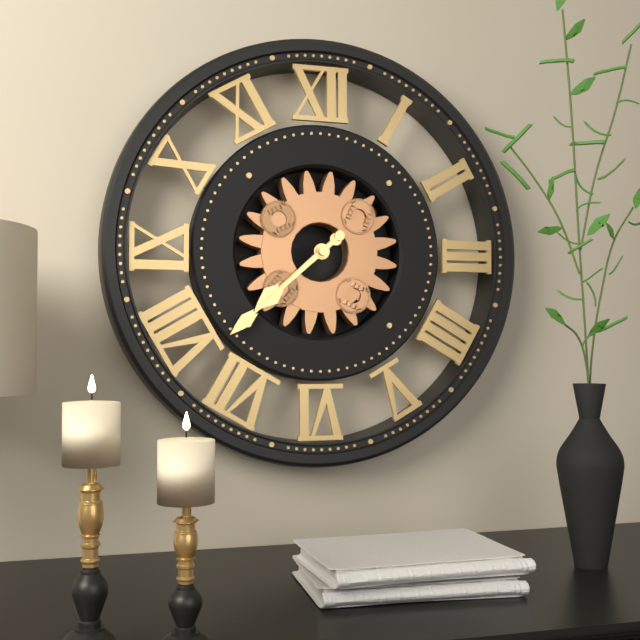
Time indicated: **7:38**
